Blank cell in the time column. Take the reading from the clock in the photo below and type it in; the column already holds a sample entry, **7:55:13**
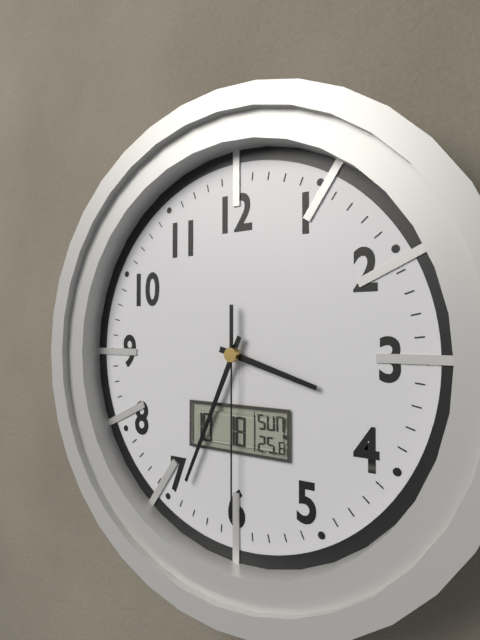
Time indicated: **3:34:30**
